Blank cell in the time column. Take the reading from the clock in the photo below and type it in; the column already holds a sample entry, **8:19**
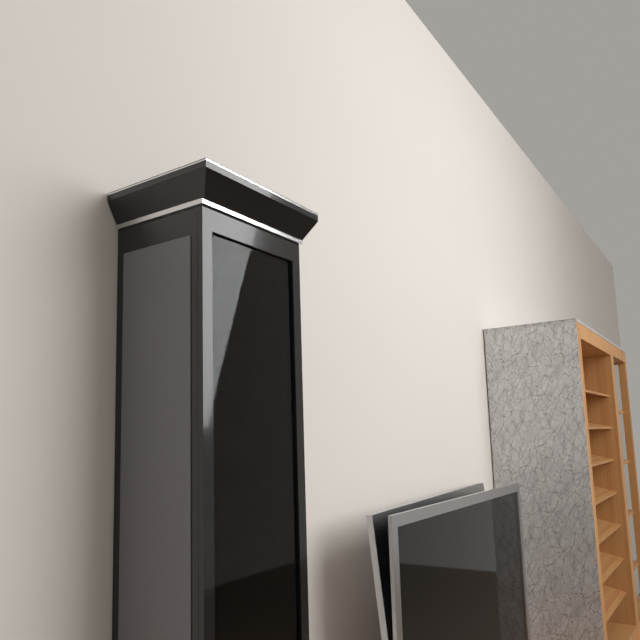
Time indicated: **4:02**
